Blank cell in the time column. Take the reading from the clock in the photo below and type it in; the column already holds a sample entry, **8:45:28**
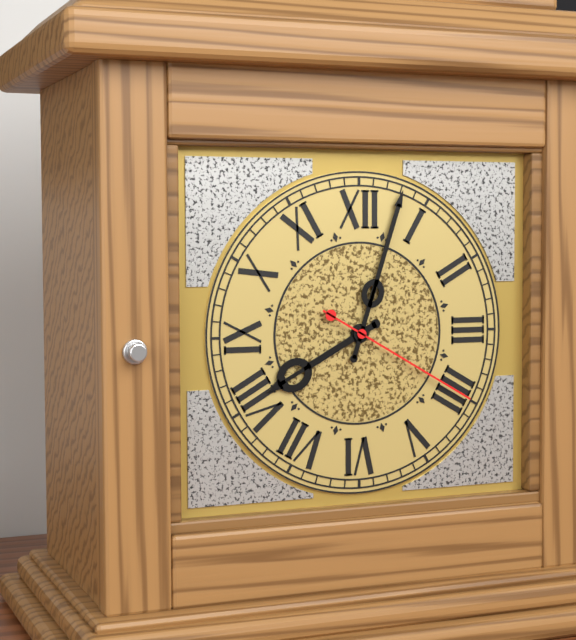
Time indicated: **8:03:20**
